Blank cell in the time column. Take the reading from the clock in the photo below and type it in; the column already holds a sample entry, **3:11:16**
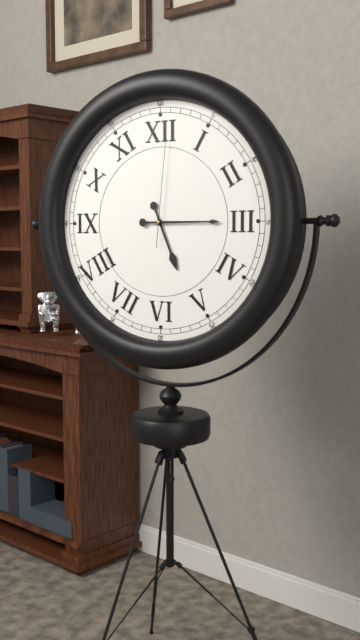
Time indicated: **5:15:01**
